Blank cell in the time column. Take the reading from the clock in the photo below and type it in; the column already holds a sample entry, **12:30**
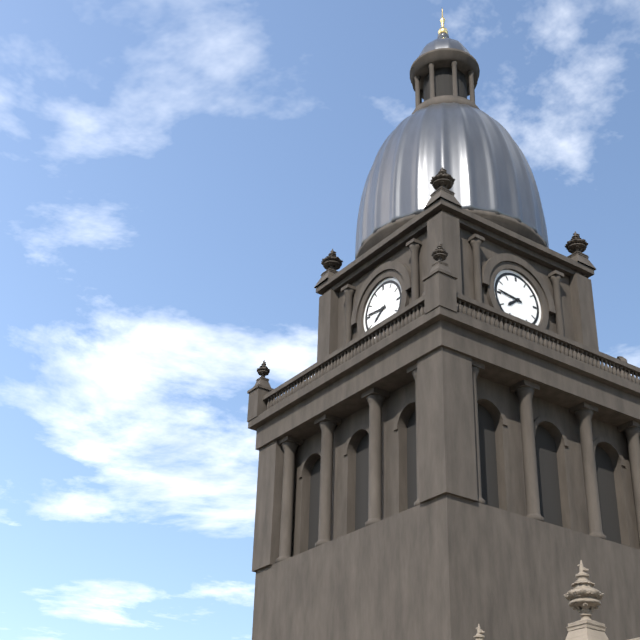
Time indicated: **7:46**
